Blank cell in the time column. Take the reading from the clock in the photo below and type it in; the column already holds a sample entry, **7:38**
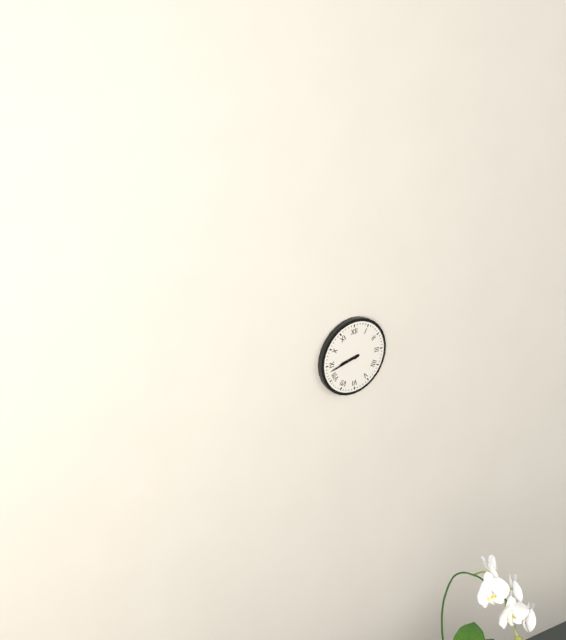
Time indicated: **8:43**
